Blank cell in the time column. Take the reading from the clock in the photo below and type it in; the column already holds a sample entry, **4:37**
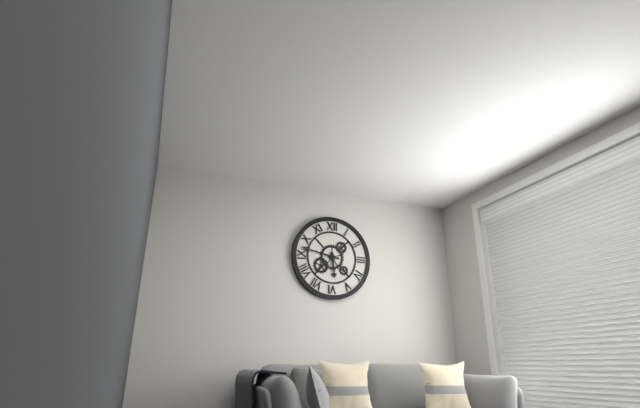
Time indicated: **5:47**
